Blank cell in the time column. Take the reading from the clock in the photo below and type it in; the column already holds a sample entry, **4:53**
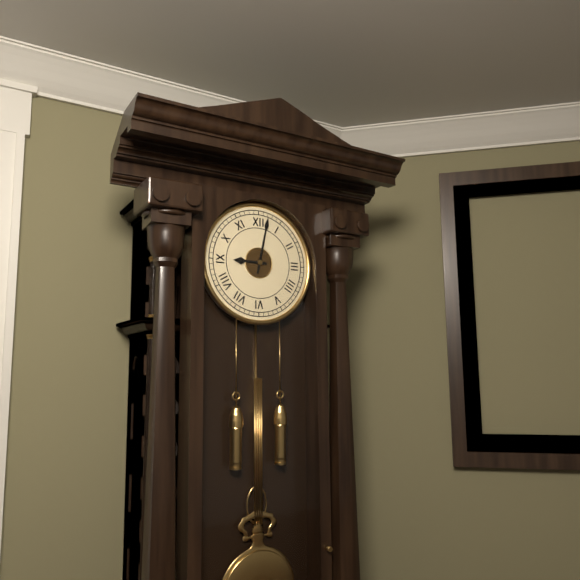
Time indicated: **9:02**
